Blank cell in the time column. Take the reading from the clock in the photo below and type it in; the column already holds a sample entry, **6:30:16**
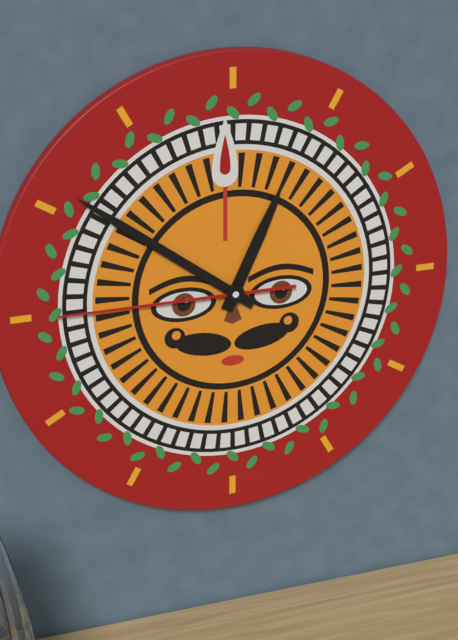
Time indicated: **12:51:45**
